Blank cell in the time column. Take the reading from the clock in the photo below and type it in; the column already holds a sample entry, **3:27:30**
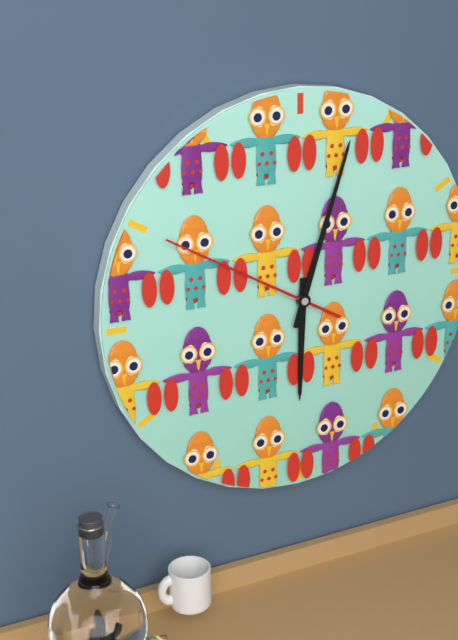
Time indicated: **6:03:50**
